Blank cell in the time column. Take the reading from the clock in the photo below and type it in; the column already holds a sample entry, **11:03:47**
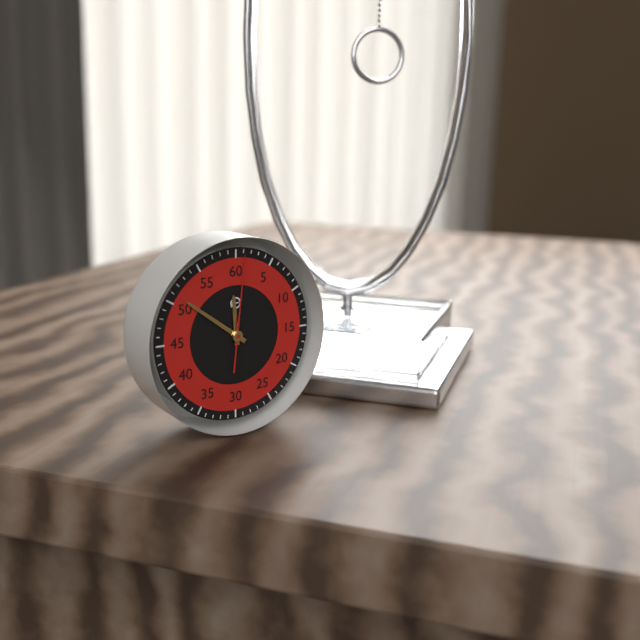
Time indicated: **11:51:01**
